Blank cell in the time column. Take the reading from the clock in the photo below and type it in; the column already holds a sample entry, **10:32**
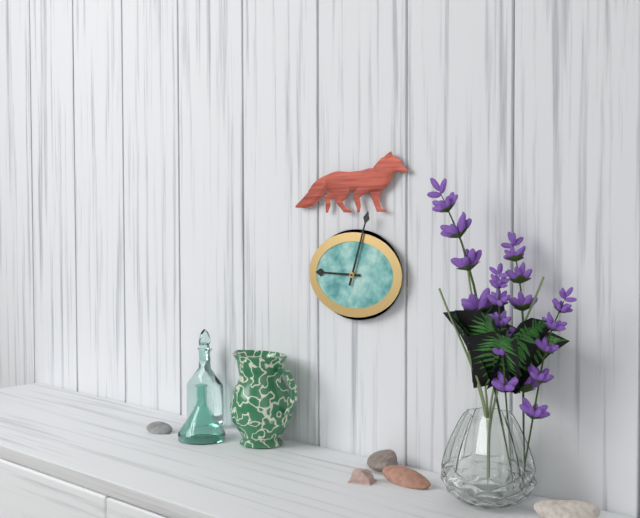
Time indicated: **9:03**
